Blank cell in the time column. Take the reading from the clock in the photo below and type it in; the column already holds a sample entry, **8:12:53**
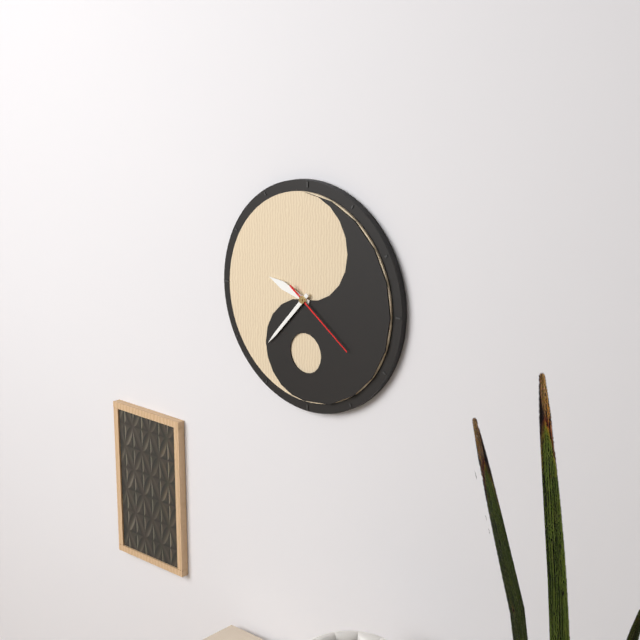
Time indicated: **9:37:21**
